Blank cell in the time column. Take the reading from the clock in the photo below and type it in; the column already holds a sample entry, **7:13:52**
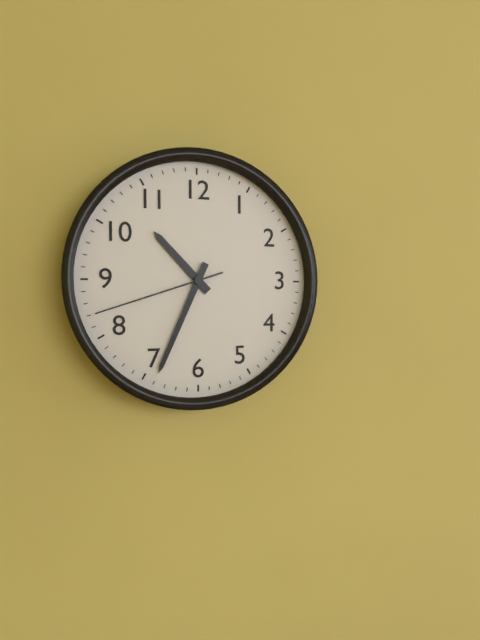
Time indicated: **10:34:42**
